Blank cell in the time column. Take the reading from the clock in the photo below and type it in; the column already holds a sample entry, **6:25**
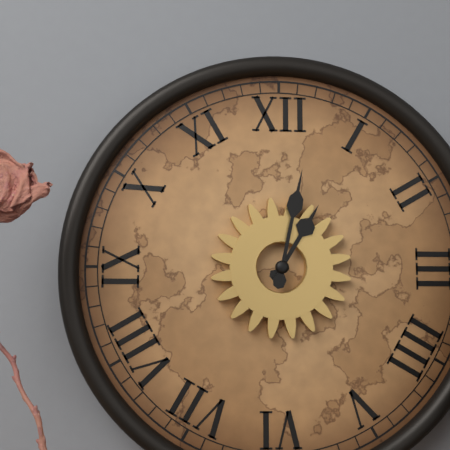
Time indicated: **1:02**
